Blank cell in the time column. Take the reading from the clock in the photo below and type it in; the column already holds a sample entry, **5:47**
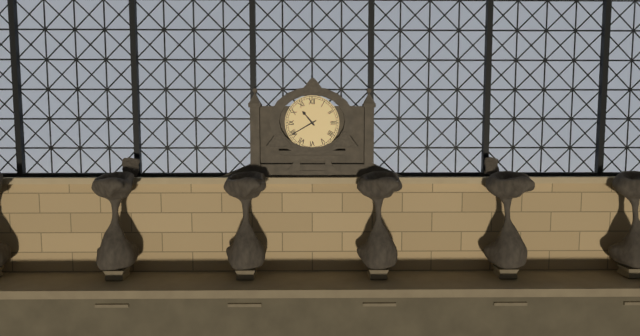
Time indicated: **10:40**
